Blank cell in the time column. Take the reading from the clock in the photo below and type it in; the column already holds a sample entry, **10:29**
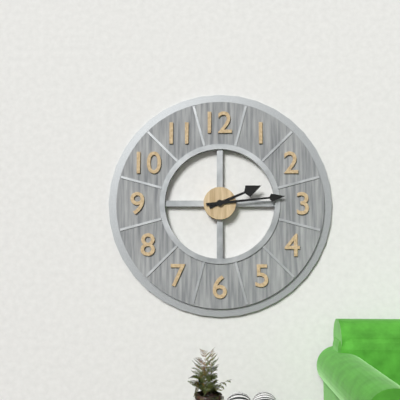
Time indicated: **2:14**
